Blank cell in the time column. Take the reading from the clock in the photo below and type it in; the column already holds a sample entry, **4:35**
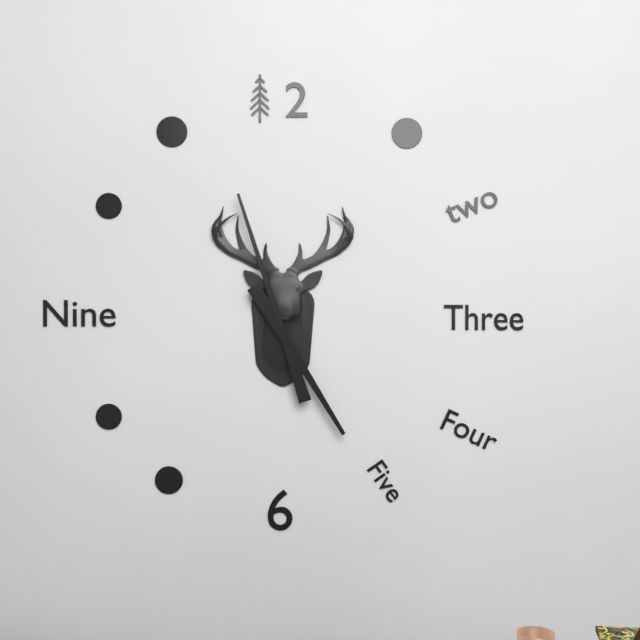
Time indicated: **4:57**
